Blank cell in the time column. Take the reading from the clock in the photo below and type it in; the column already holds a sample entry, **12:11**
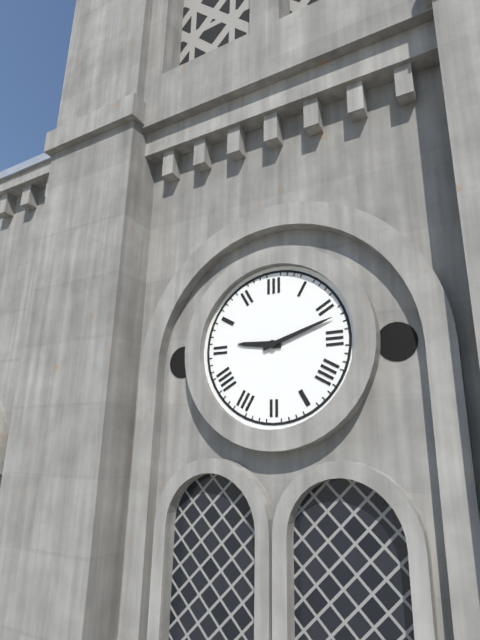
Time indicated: **9:12**
